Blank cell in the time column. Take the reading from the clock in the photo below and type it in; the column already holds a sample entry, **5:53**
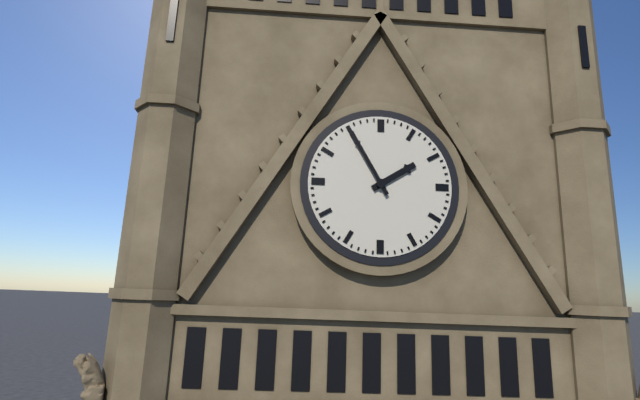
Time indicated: **1:55**
